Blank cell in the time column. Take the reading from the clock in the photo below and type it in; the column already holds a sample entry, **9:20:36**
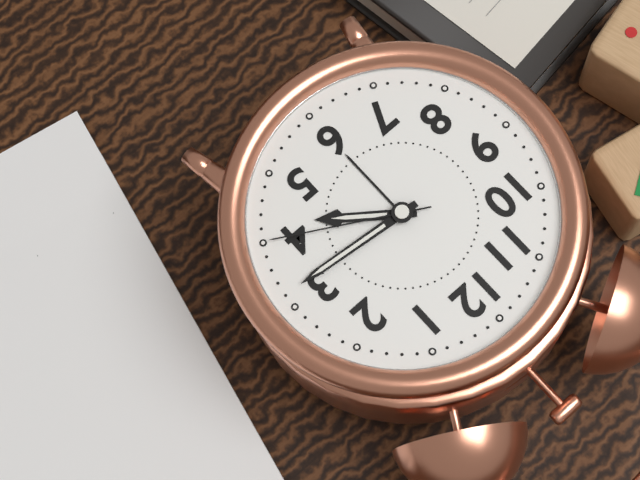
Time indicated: **4:16:20**
